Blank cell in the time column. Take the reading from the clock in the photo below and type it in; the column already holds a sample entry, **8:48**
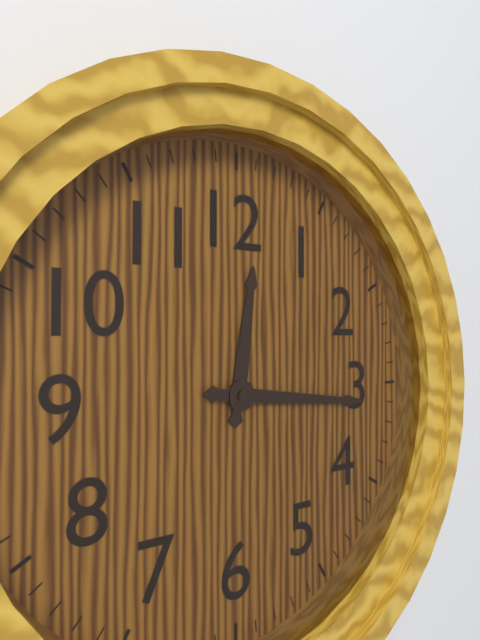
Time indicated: **12:16**
